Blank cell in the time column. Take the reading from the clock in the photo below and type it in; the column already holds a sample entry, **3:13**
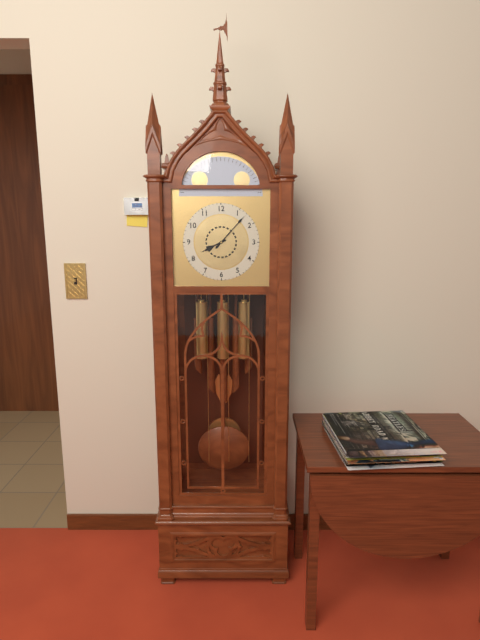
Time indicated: **8:07**
